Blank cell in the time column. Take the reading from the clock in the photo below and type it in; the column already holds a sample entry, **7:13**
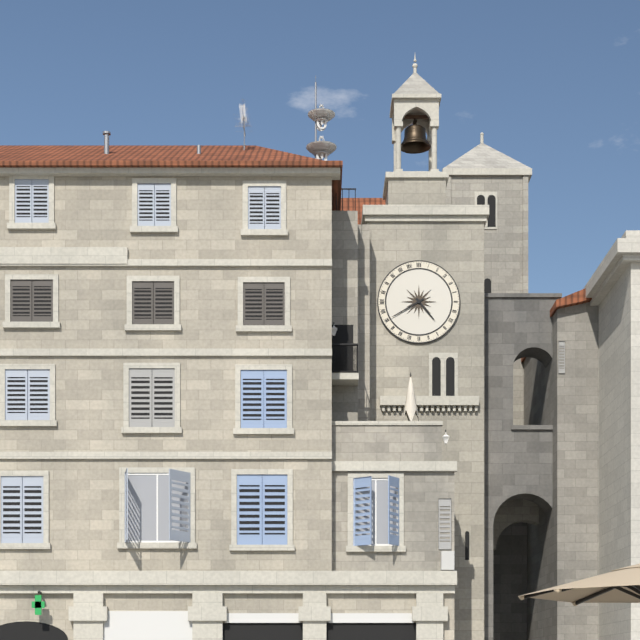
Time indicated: **4:40**
